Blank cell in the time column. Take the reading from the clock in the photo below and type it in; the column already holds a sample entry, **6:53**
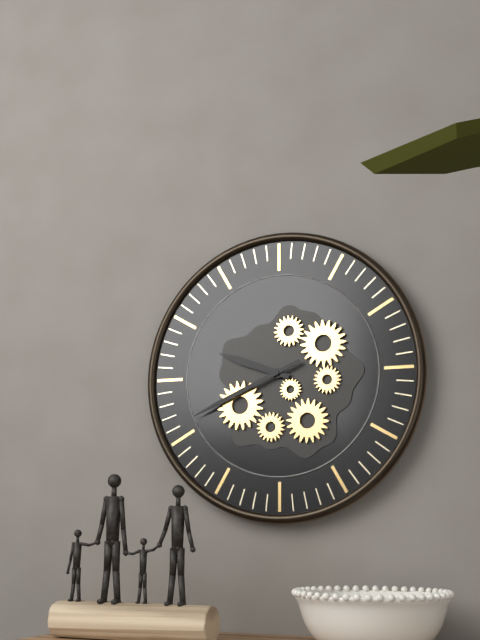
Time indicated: **9:41**
